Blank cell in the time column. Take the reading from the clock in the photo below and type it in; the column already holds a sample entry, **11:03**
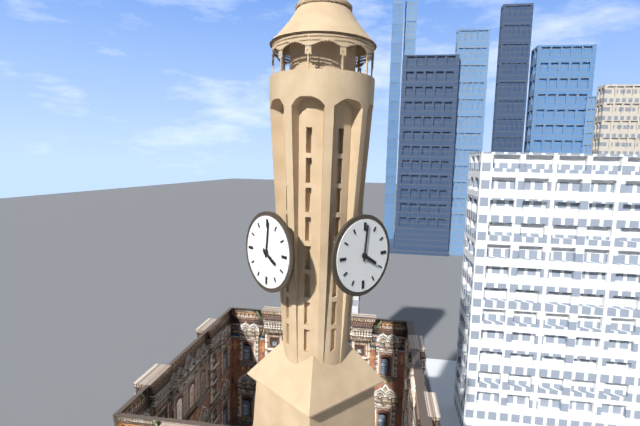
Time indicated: **4:01**
